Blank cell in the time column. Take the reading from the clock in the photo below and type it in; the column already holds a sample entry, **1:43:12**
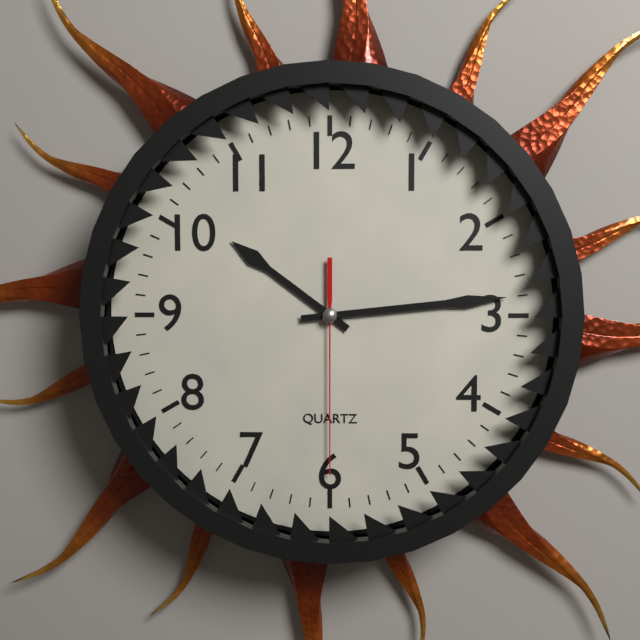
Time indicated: **10:14:30**
